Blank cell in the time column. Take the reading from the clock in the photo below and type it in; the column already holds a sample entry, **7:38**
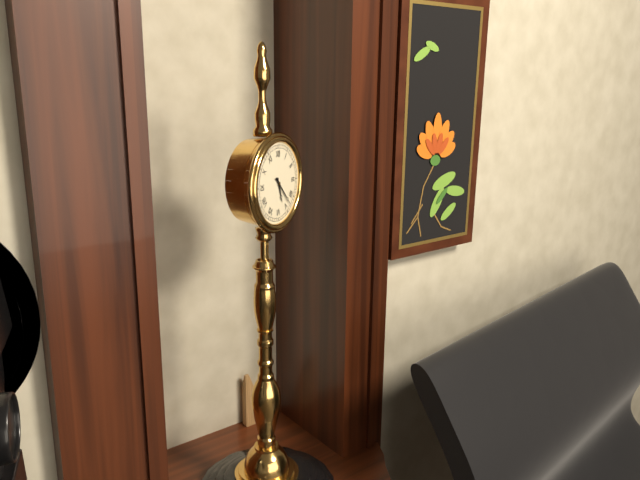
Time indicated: **5:23**
